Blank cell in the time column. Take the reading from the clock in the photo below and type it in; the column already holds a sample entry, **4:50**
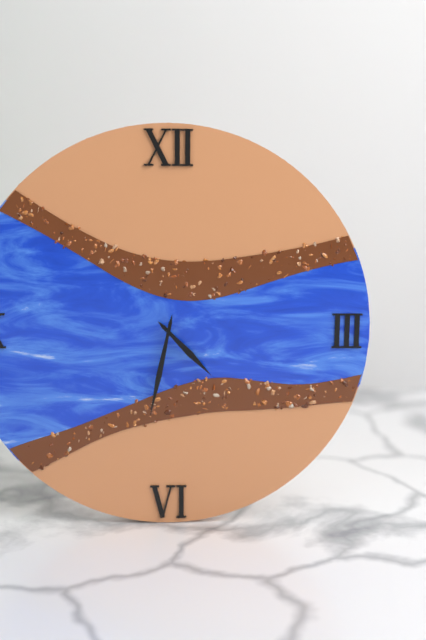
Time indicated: **4:32**
